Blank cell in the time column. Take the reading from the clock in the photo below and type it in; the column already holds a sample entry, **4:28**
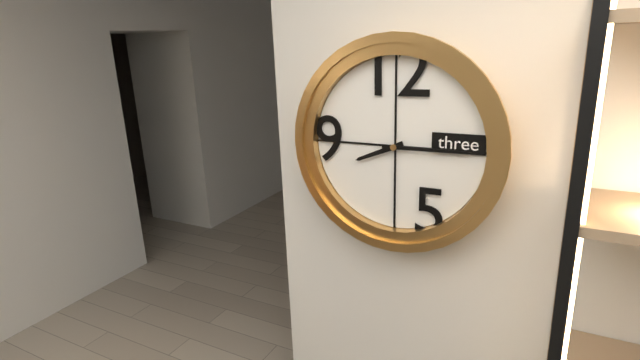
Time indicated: **8:15**
